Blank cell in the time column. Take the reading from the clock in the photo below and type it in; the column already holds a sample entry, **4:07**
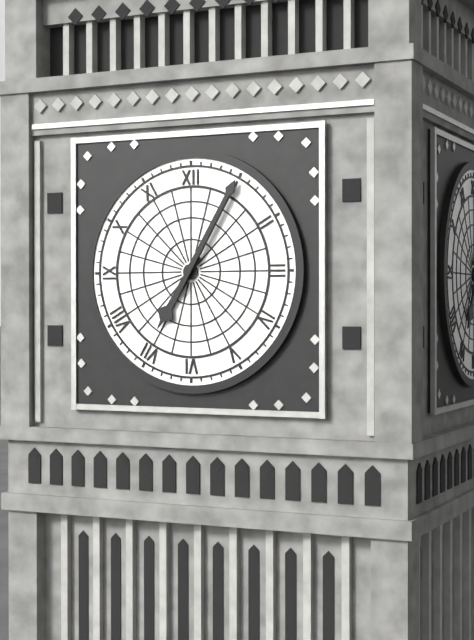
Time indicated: **7:05**
